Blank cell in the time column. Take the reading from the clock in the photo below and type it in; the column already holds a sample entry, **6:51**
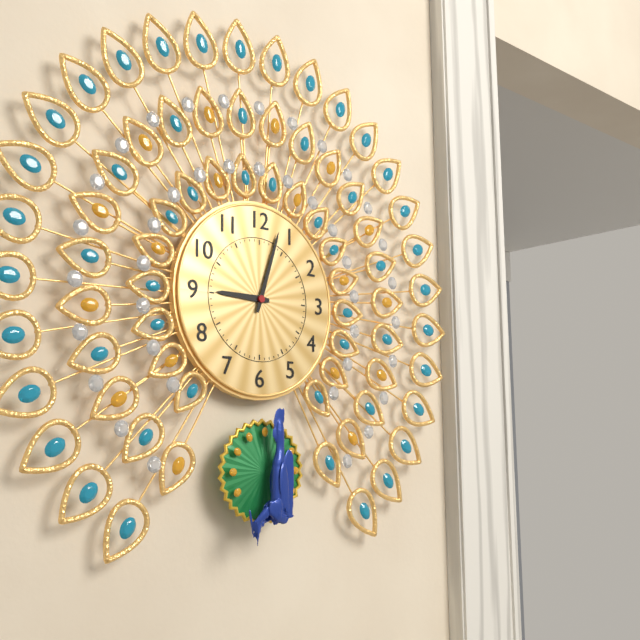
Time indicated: **9:03**
